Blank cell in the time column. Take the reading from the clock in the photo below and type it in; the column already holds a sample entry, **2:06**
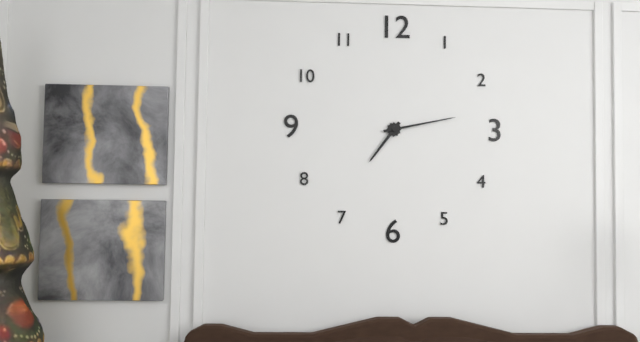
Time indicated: **7:13**
